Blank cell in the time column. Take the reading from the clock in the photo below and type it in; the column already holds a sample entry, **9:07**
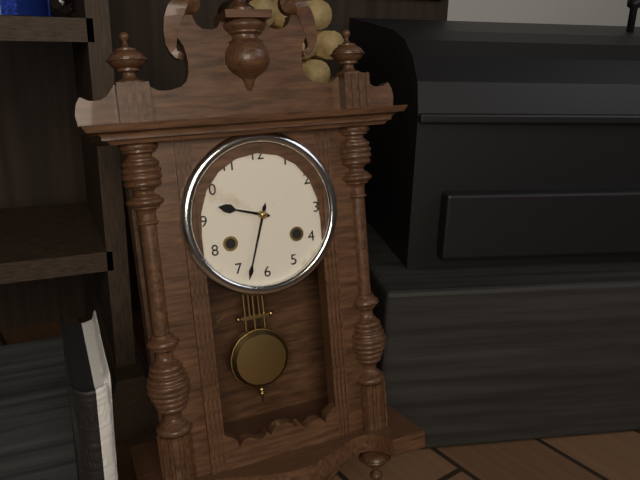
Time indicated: **9:33**
